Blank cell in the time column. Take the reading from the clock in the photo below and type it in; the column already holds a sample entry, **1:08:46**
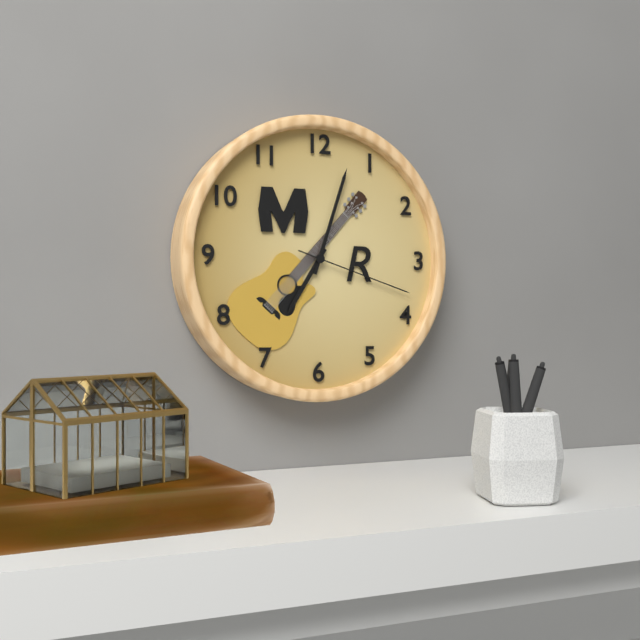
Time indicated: **7:03:18**
